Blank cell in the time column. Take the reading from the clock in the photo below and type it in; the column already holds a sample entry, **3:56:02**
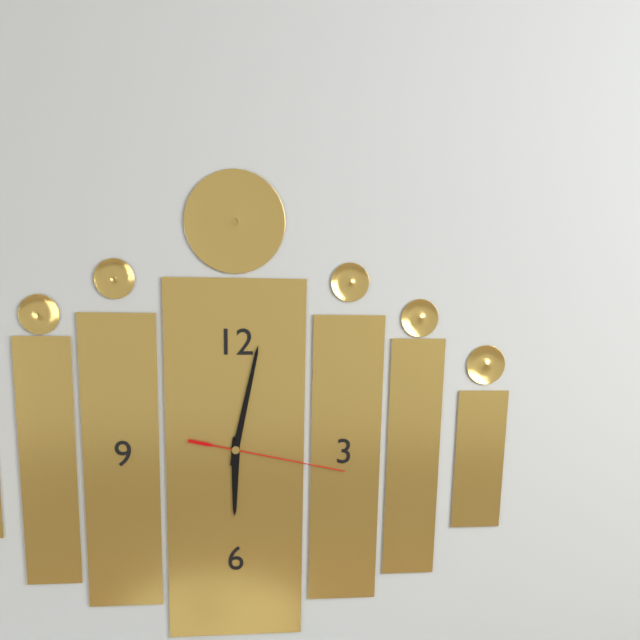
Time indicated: **6:02:17**
